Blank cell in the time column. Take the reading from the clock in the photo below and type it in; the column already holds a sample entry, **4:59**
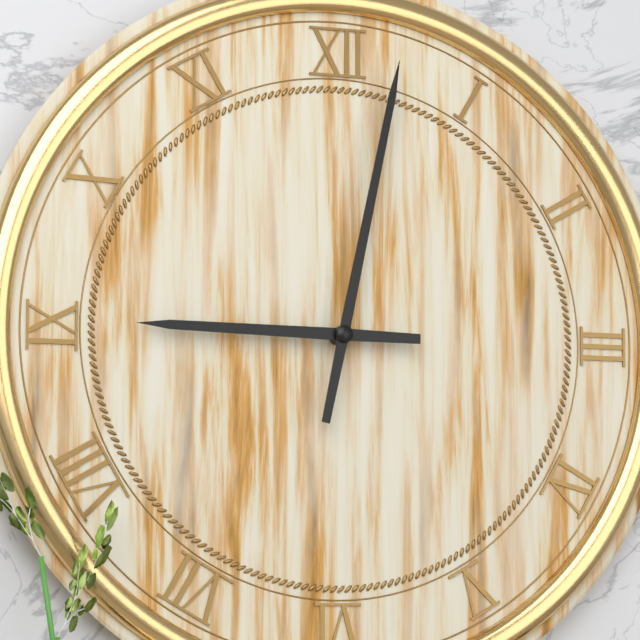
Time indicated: **9:02**
